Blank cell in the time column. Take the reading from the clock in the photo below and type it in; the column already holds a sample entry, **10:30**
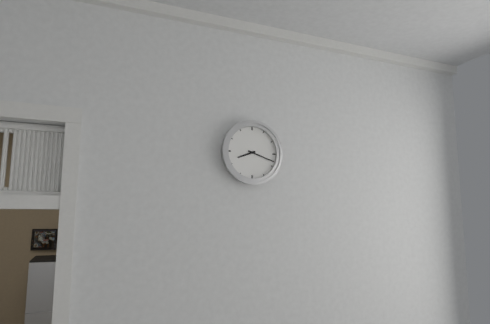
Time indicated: **8:18**
